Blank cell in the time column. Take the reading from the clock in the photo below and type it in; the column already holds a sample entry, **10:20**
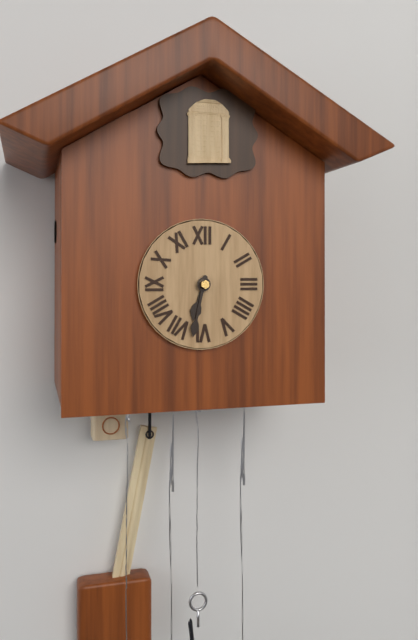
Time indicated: **6:32**
